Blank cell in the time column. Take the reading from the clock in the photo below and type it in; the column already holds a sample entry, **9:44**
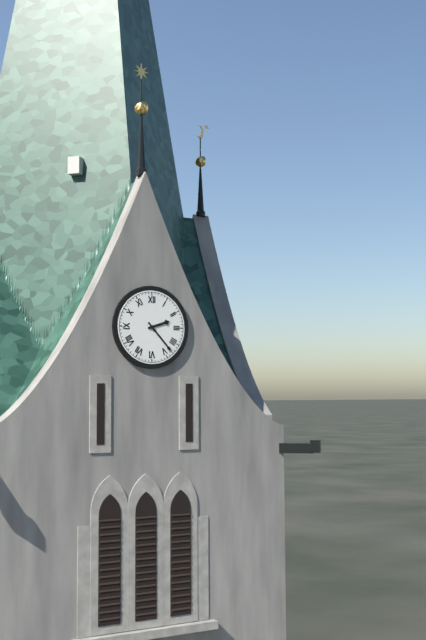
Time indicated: **2:23**
